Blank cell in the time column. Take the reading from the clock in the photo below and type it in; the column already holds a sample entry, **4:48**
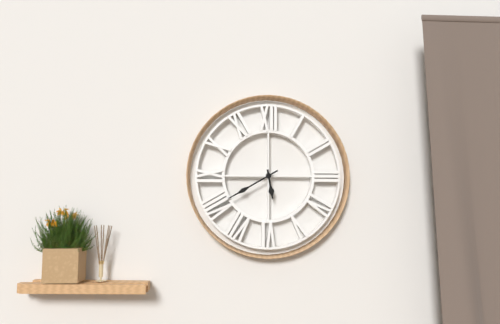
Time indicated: **5:40**
